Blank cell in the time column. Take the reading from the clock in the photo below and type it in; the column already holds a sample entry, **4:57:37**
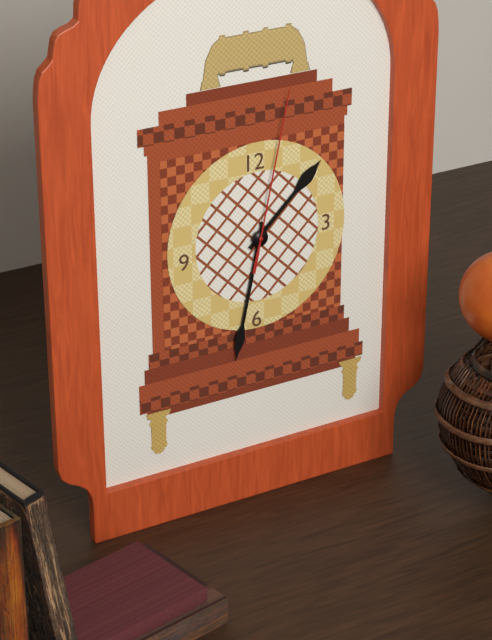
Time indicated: **1:32:02**
